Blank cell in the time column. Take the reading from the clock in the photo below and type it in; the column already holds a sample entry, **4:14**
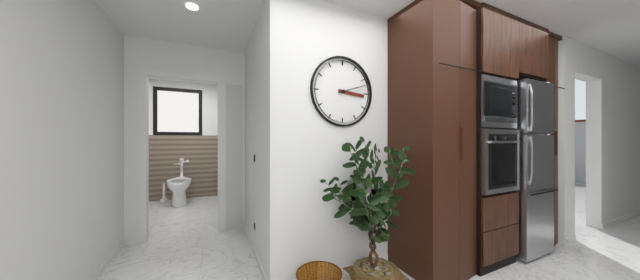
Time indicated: **3:12**
